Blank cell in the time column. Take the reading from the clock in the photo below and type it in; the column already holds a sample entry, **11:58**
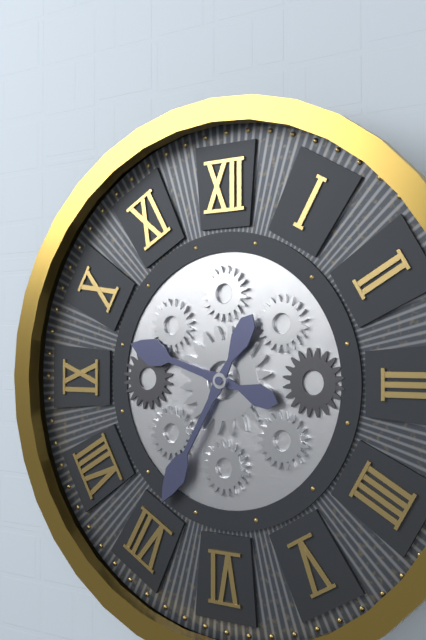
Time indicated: **9:35**
